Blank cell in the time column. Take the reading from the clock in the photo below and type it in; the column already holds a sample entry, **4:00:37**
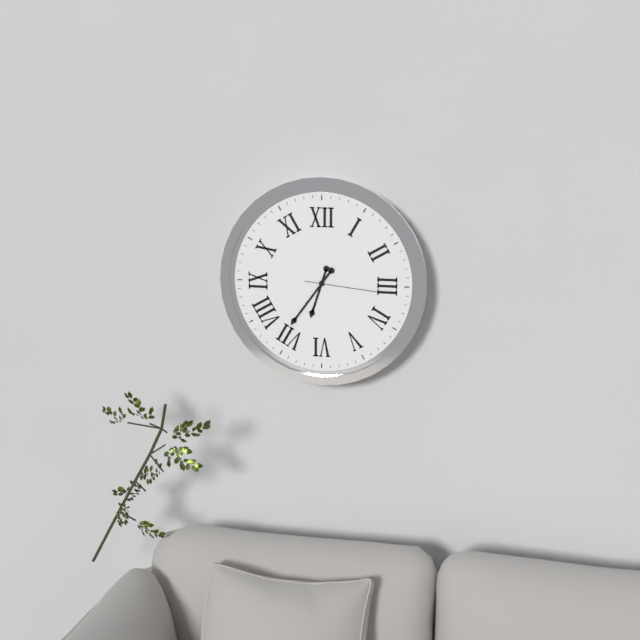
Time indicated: **6:36:16**
